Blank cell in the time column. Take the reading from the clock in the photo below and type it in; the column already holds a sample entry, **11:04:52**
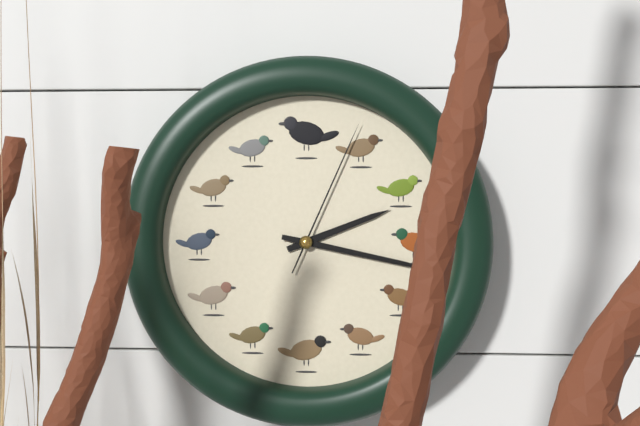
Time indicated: **2:17:04**
